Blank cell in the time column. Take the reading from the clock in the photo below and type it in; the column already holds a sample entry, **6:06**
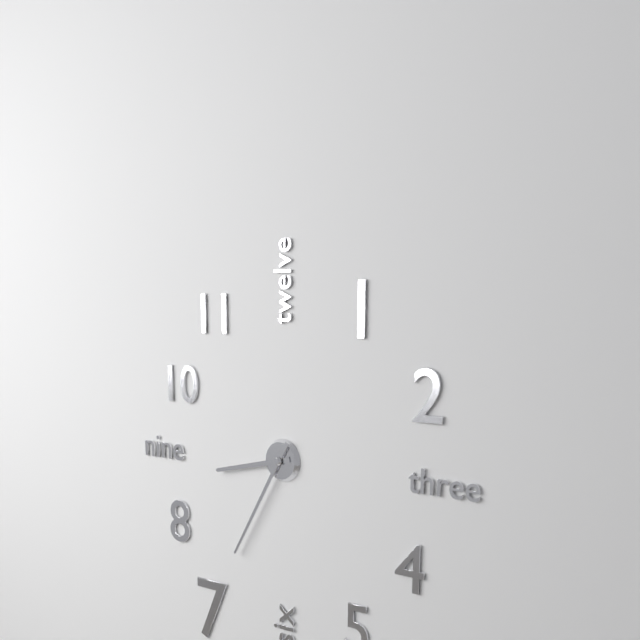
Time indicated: **8:35**
